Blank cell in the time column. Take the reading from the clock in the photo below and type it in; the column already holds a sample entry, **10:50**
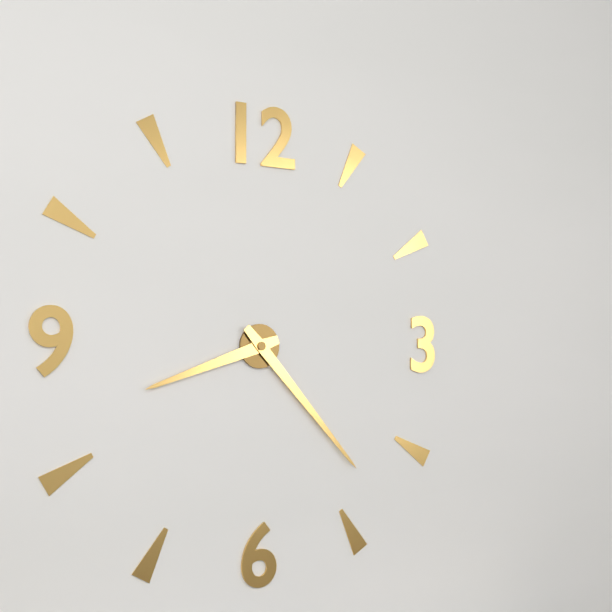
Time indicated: **8:23**
